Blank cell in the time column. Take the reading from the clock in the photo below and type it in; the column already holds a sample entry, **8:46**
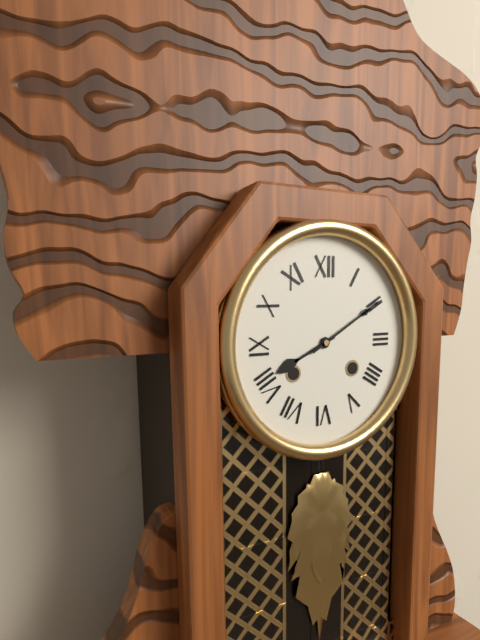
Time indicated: **8:10**
